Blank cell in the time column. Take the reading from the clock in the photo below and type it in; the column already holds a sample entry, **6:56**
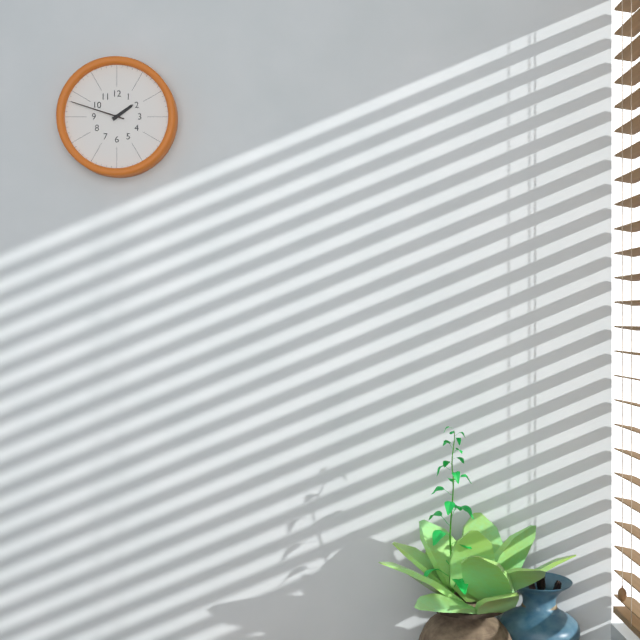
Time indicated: **1:48**
